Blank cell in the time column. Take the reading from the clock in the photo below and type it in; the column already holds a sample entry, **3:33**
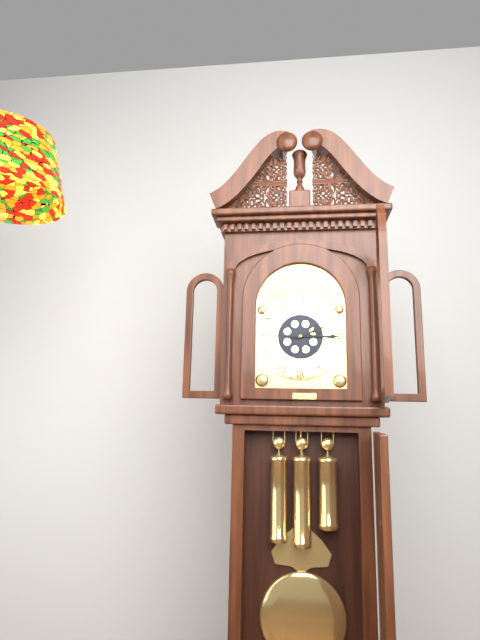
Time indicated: **2:15**
